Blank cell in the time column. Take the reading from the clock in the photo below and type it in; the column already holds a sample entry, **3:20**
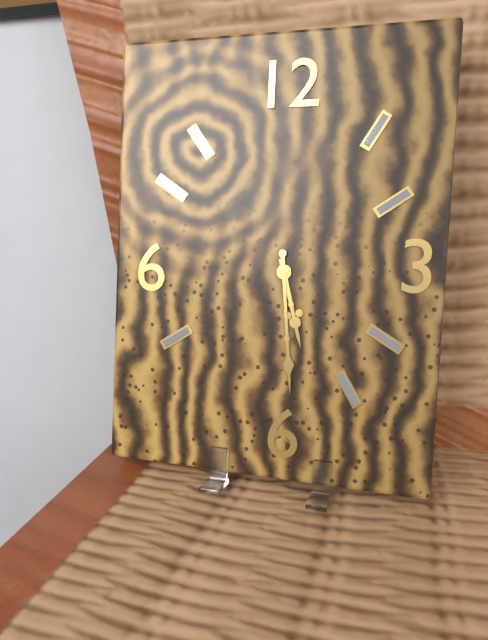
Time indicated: **5:29**
